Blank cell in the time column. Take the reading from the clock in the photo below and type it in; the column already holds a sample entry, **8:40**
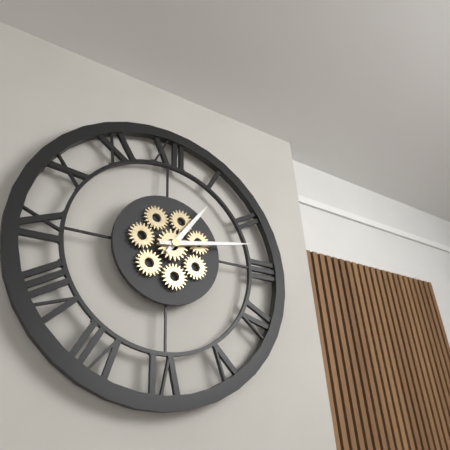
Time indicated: **1:13**
